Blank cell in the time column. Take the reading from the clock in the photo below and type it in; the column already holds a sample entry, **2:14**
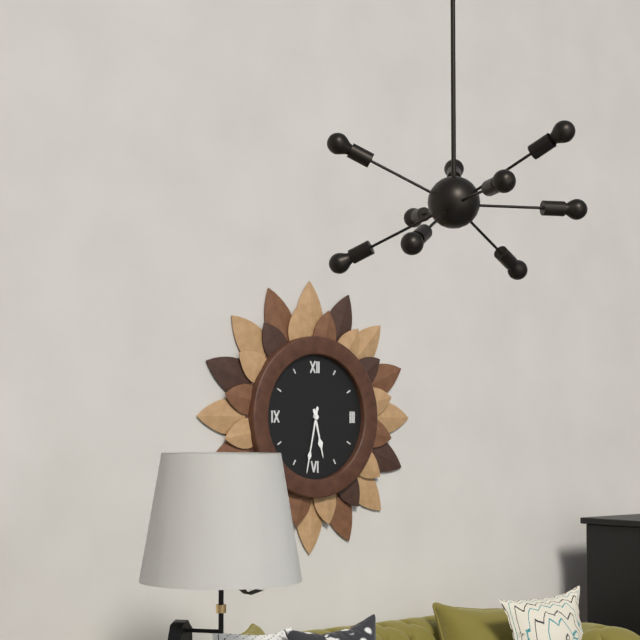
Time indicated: **5:32**
